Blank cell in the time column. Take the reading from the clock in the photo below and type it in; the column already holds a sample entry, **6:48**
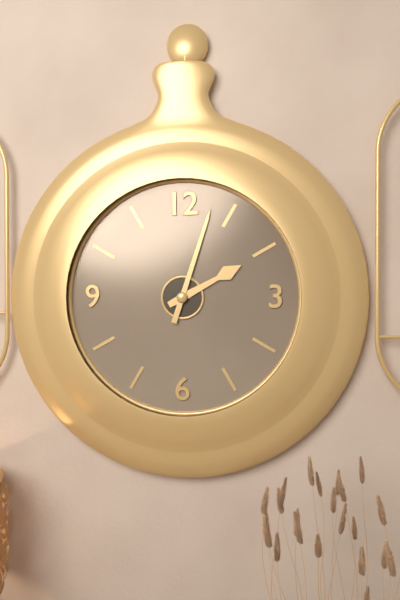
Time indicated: **2:03**
